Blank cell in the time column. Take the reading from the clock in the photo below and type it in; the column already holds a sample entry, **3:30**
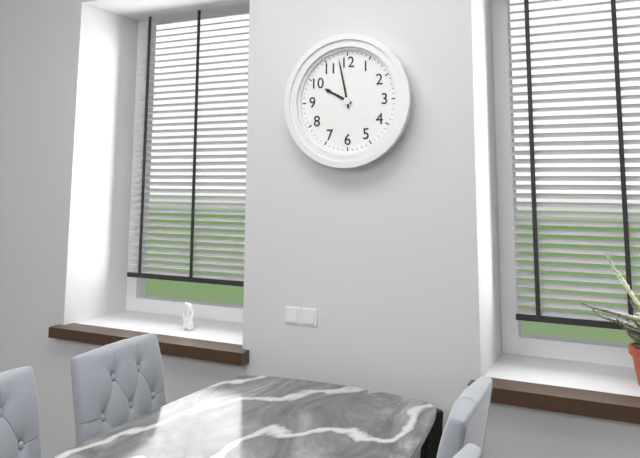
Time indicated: **9:58**
